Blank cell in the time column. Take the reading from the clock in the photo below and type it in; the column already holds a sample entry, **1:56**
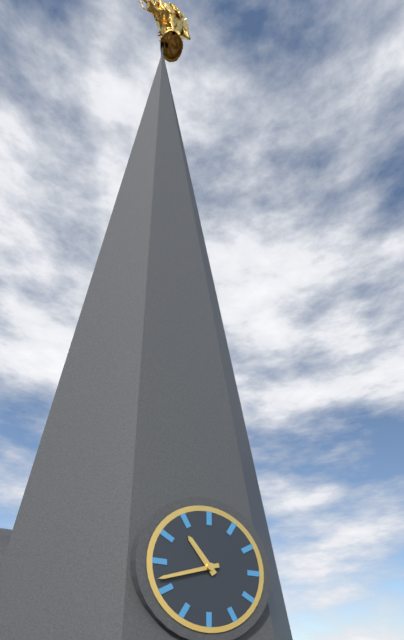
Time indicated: **10:42**
